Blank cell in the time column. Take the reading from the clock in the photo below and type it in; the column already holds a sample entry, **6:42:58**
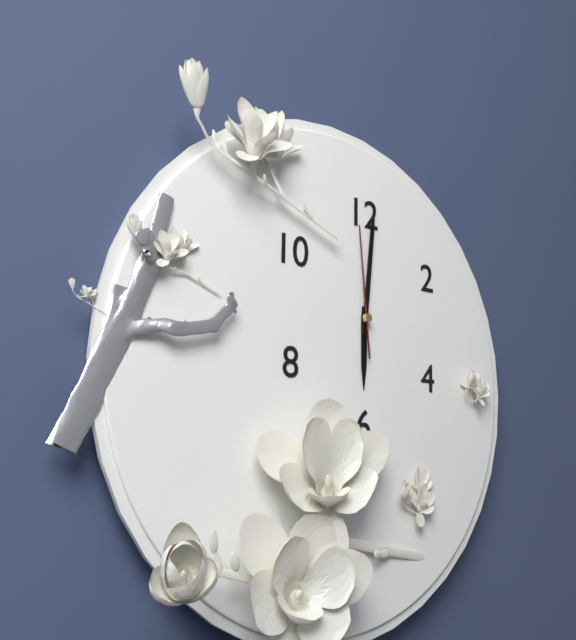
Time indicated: **6:01:59**
